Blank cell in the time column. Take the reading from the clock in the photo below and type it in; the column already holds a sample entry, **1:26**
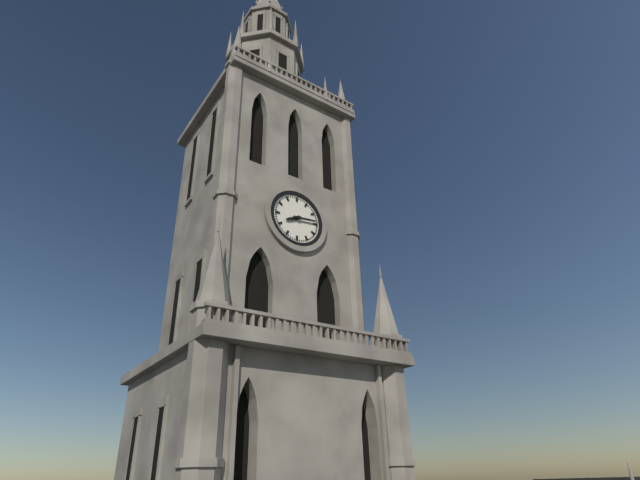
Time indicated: **8:14**
